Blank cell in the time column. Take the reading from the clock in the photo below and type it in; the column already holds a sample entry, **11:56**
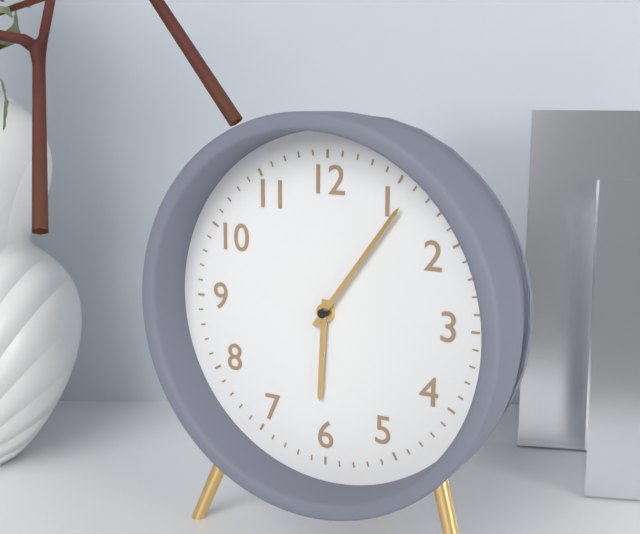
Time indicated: **6:06**
